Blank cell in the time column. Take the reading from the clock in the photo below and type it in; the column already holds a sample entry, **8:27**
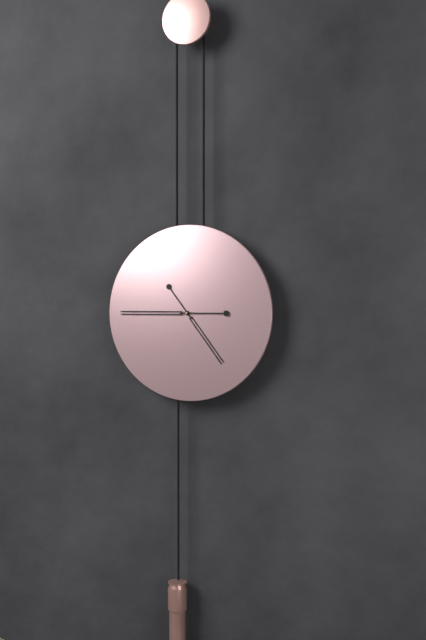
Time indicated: **4:45**
